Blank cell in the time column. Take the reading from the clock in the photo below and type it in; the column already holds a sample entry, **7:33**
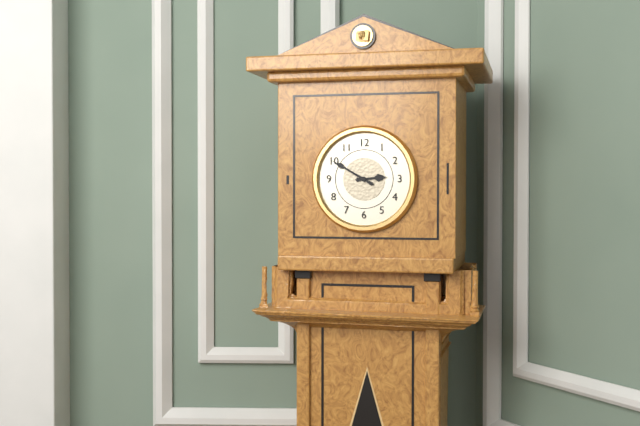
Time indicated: **2:50**
